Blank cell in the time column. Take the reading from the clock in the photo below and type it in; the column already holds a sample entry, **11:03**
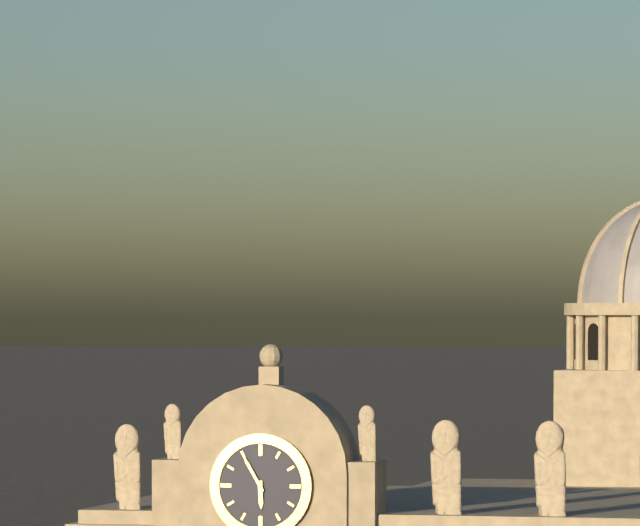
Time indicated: **5:55**
